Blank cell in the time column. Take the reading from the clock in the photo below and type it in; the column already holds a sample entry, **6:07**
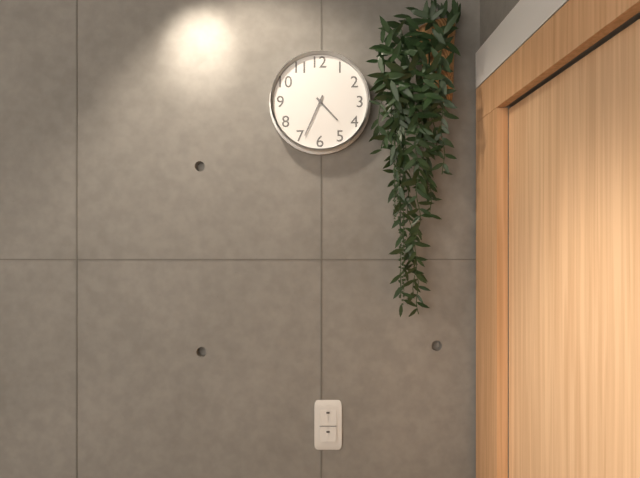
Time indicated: **4:34**
